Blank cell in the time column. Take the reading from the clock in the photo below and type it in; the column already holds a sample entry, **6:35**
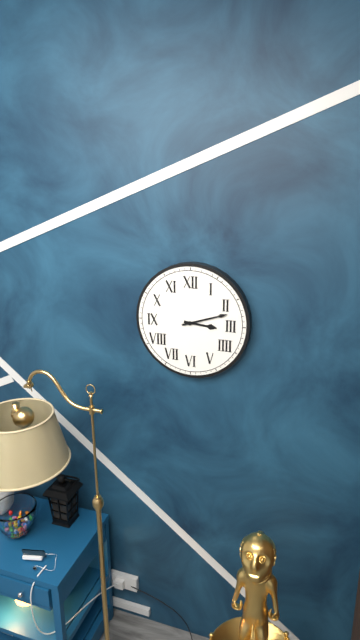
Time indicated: **3:12**
